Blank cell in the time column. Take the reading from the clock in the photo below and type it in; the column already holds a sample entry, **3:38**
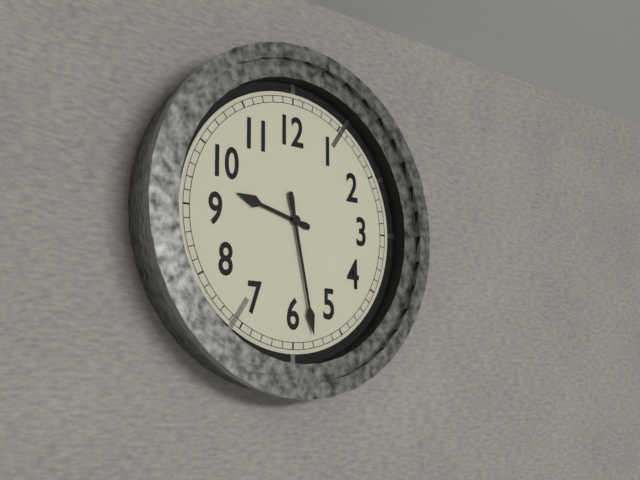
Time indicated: **9:28**
